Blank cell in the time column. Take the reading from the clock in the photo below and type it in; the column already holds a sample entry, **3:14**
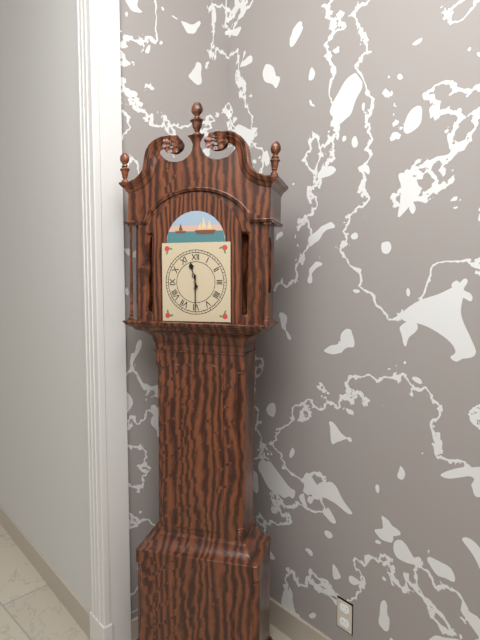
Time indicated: **11:30**
